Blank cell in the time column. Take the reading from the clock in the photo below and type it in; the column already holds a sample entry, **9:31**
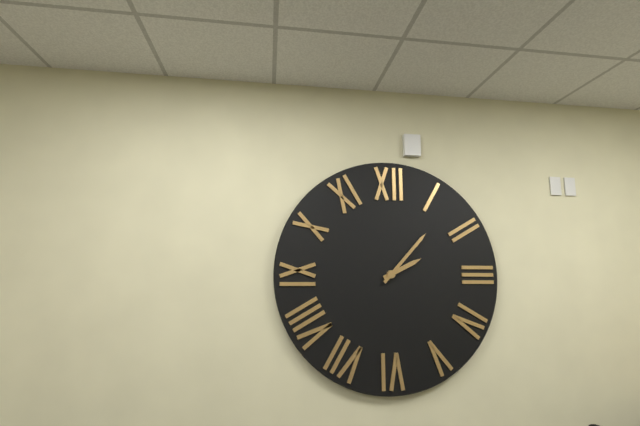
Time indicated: **2:07**
